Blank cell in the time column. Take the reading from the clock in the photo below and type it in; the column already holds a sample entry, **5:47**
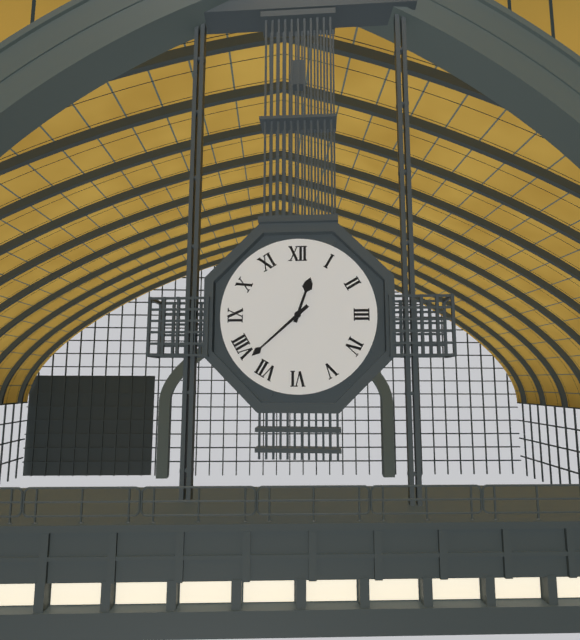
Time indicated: **12:38**
